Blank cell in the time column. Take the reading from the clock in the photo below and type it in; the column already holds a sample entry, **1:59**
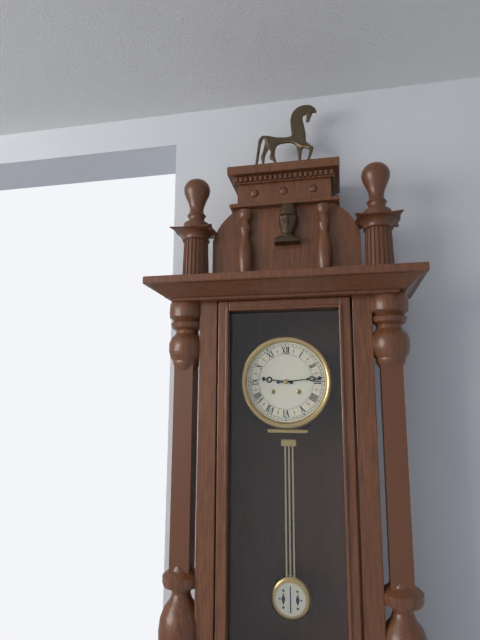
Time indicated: **9:14**
